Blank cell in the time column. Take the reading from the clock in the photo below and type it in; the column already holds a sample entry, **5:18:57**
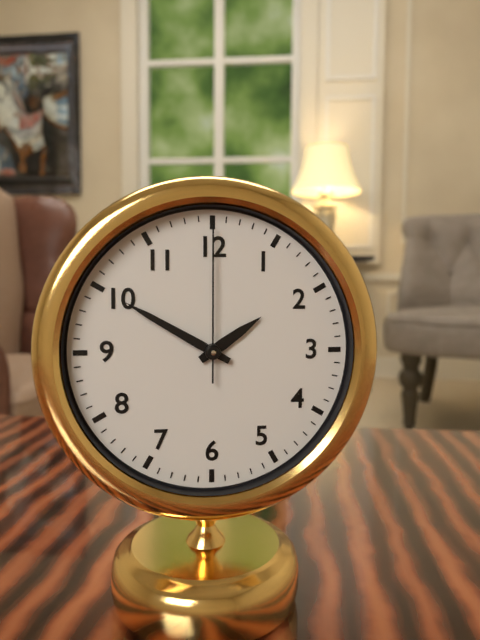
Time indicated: **1:50:00**
